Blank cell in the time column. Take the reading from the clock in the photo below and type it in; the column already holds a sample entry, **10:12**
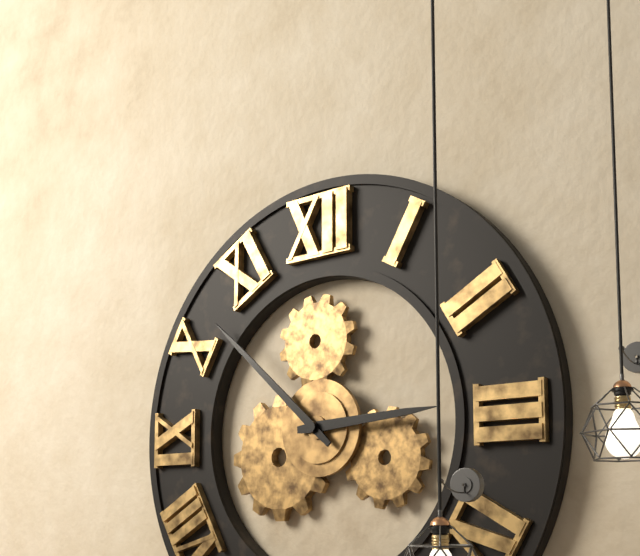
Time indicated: **2:52**
